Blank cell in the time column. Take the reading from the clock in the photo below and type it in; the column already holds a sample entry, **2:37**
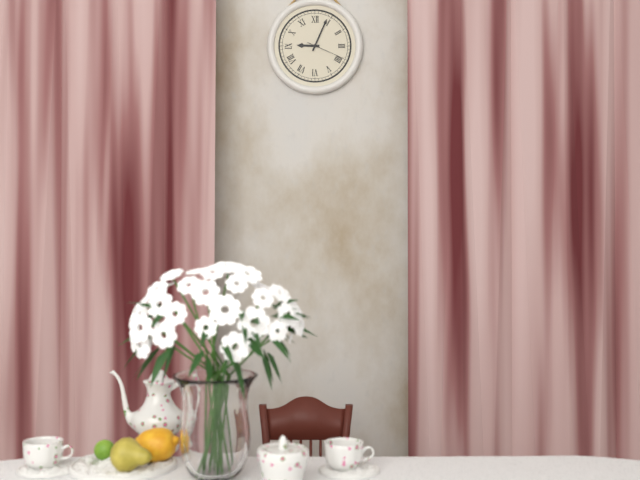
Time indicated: **9:04**
